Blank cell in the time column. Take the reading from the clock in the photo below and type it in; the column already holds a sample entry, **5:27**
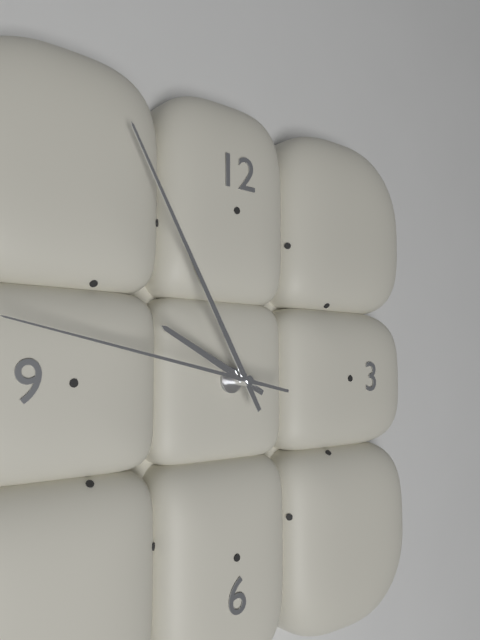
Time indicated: **9:55**
